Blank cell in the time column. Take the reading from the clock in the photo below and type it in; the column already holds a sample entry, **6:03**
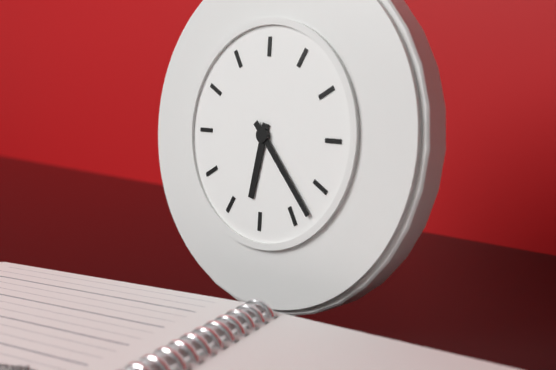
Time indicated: **6:23**
